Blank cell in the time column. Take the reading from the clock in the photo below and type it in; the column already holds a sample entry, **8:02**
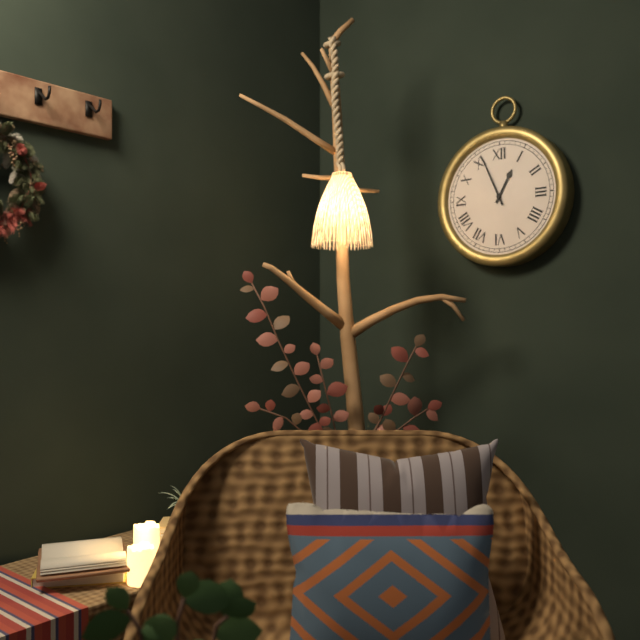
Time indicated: **12:56**
